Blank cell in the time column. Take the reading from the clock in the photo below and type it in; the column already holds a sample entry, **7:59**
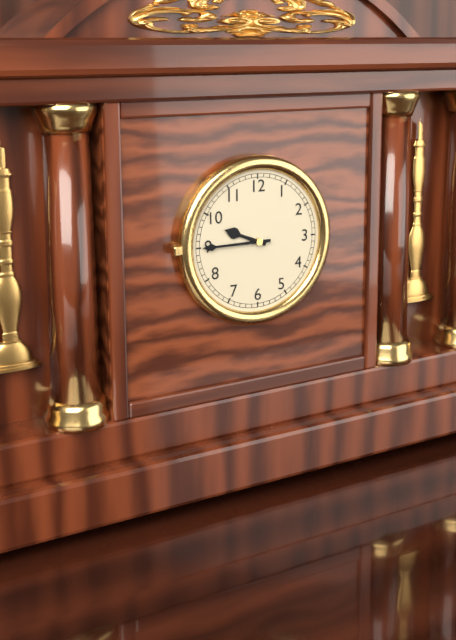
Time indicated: **9:45**
